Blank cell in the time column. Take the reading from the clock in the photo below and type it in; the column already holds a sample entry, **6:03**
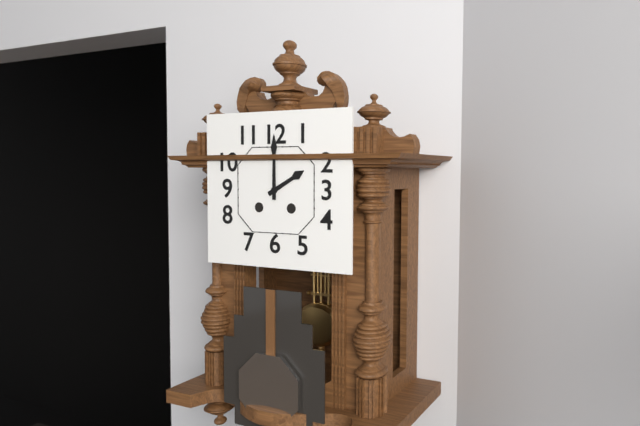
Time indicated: **2:00**
